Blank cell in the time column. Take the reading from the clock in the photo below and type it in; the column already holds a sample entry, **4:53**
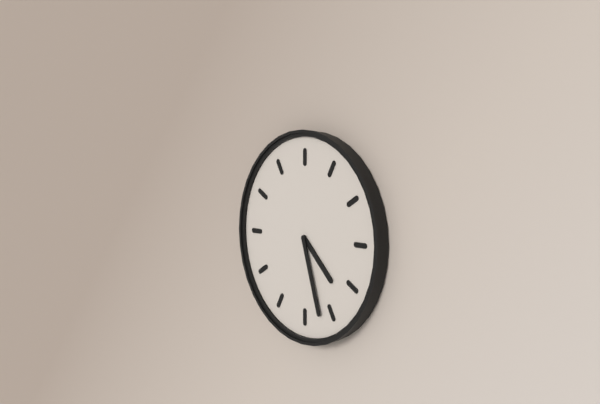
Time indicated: **4:27**
